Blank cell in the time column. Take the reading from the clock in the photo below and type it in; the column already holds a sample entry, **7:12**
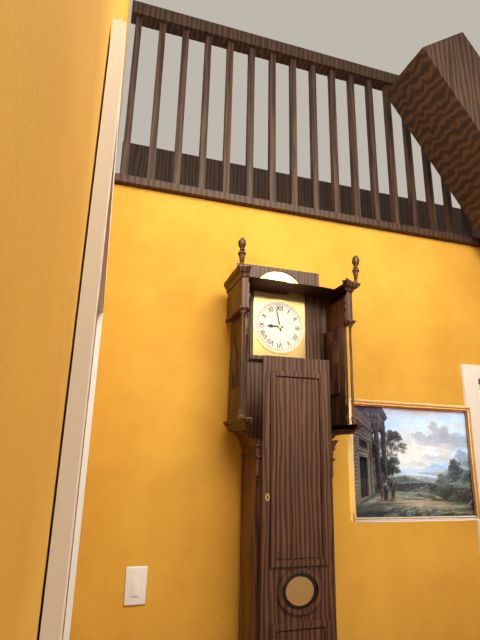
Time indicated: **8:58**
